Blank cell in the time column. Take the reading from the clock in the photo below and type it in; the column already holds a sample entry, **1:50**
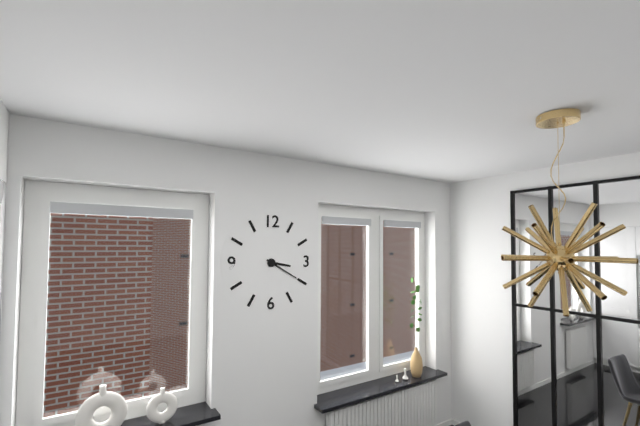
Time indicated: **3:20**
